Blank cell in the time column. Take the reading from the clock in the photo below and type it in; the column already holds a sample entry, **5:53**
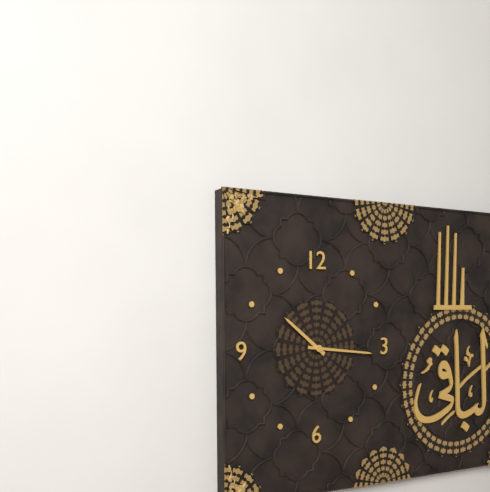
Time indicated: **10:16**
